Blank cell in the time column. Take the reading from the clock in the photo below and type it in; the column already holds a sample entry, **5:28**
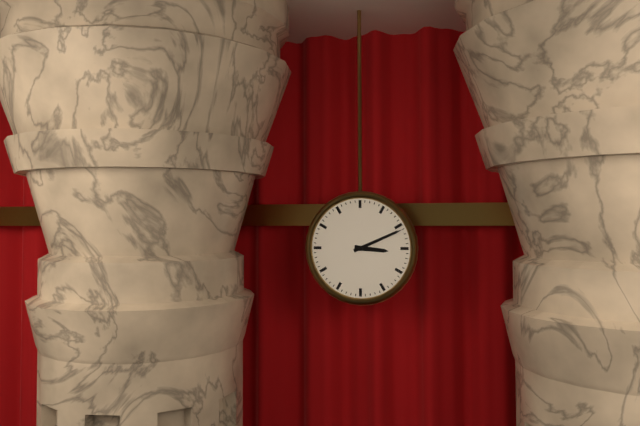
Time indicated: **3:11**
